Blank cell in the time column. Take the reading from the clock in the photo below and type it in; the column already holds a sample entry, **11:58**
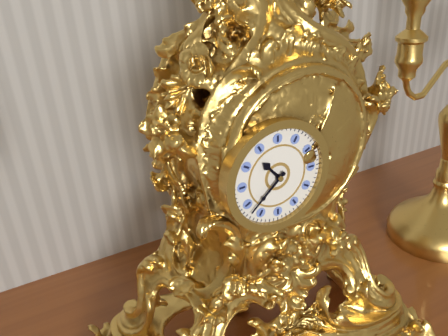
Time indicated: **10:38**
